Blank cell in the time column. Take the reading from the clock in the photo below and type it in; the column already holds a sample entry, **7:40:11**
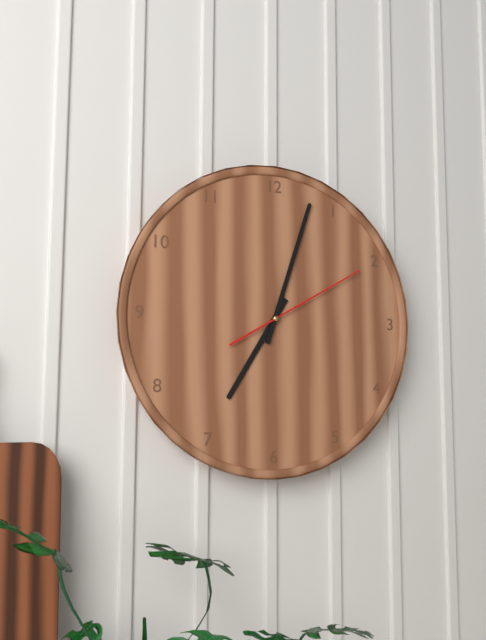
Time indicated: **7:03:10**
